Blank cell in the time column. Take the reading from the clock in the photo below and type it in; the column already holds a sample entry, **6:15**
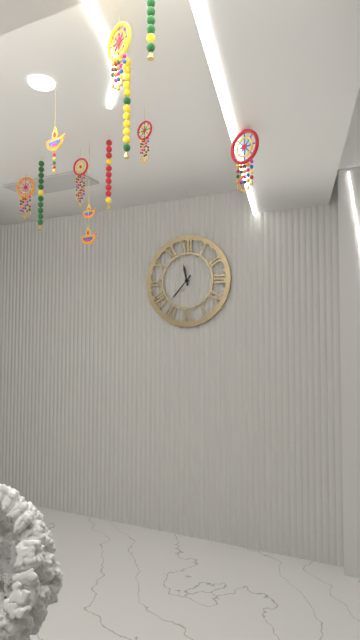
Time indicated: **11:37**
